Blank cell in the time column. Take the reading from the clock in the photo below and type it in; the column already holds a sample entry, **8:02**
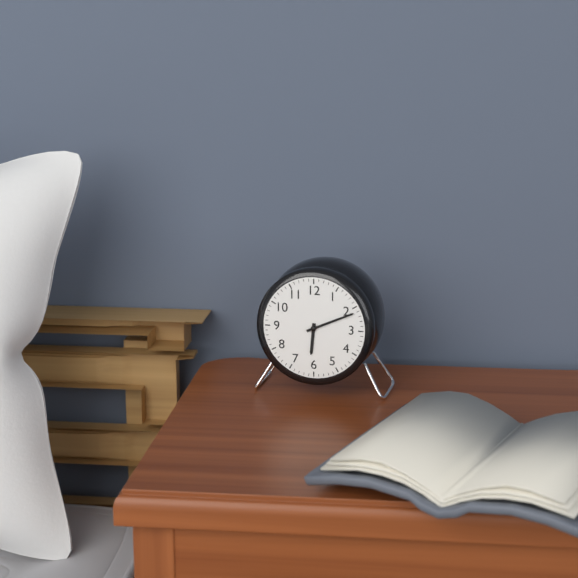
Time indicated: **6:11**
